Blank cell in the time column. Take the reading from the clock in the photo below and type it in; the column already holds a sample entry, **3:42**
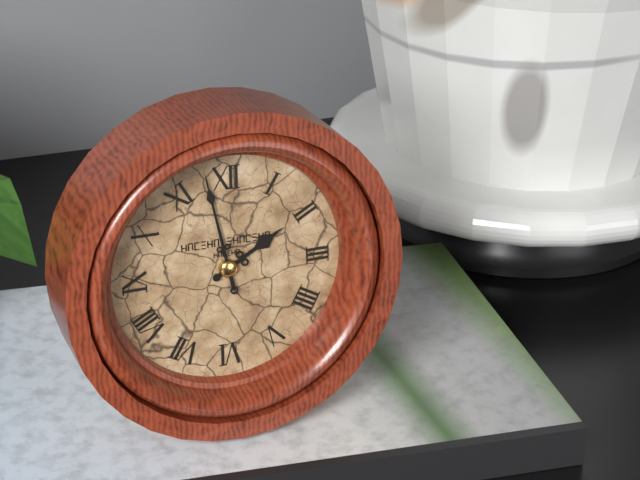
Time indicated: **1:58**
